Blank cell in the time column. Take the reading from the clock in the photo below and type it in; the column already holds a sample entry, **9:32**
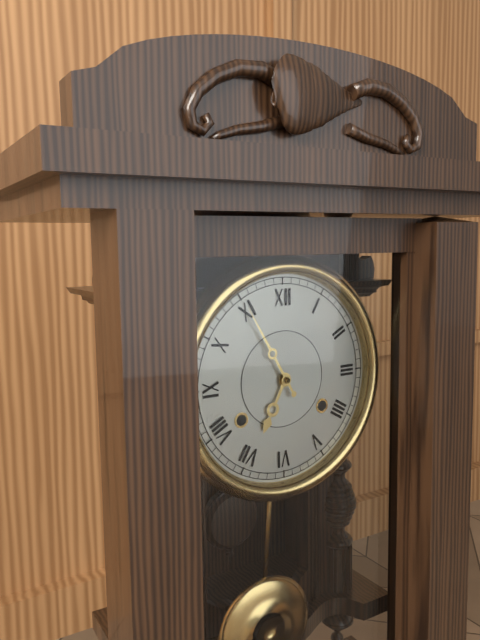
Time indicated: **6:55**
